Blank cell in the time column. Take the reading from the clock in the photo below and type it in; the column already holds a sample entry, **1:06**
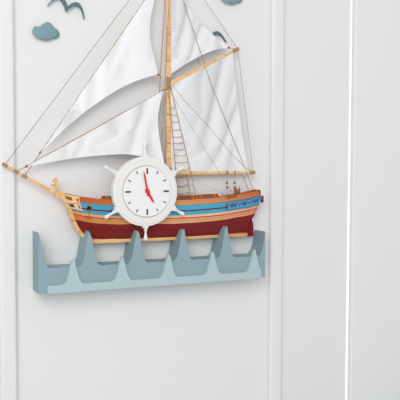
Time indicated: **4:58**
